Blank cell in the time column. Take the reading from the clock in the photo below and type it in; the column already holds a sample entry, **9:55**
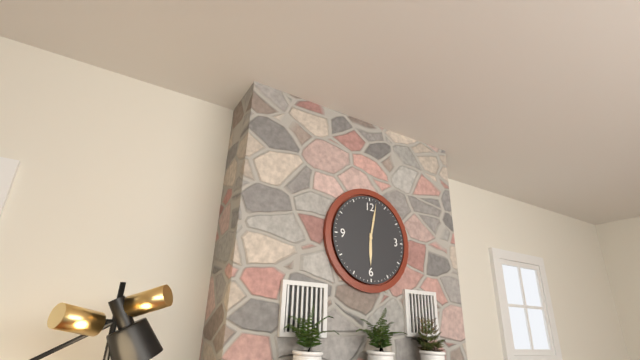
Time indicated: **6:02**
